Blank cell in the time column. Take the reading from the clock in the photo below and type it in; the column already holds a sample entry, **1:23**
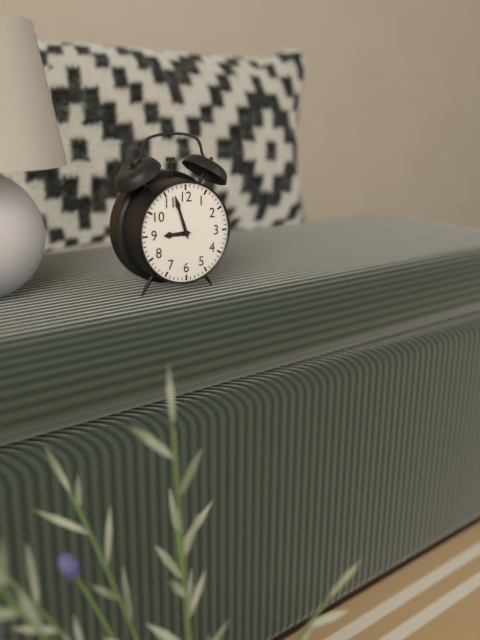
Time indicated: **8:57**
